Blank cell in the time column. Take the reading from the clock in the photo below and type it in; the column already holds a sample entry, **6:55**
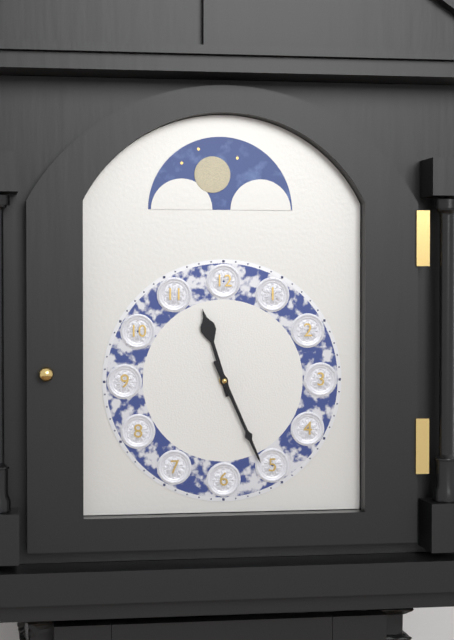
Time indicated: **11:26**
